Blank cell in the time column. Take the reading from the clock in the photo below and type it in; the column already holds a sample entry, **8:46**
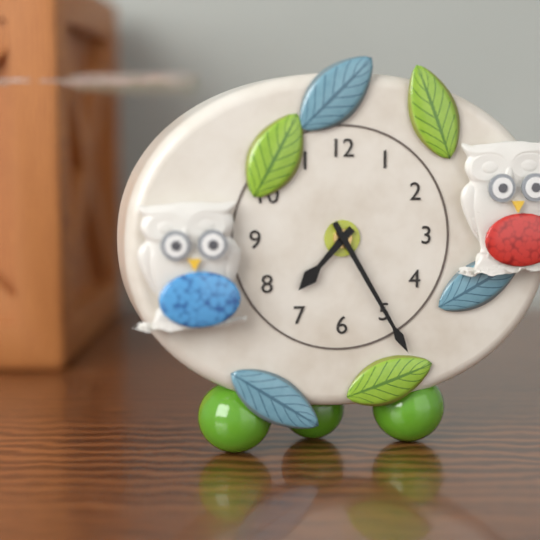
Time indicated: **7:25**
